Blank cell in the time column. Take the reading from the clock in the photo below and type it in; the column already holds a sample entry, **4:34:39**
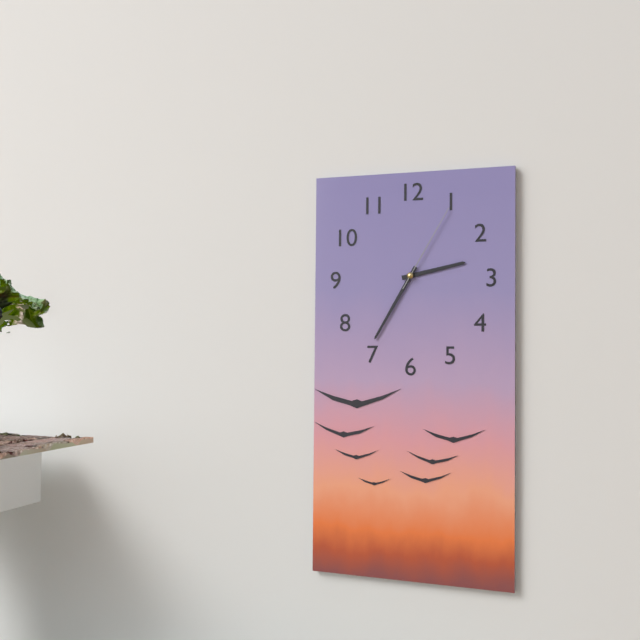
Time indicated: **2:35:05**
